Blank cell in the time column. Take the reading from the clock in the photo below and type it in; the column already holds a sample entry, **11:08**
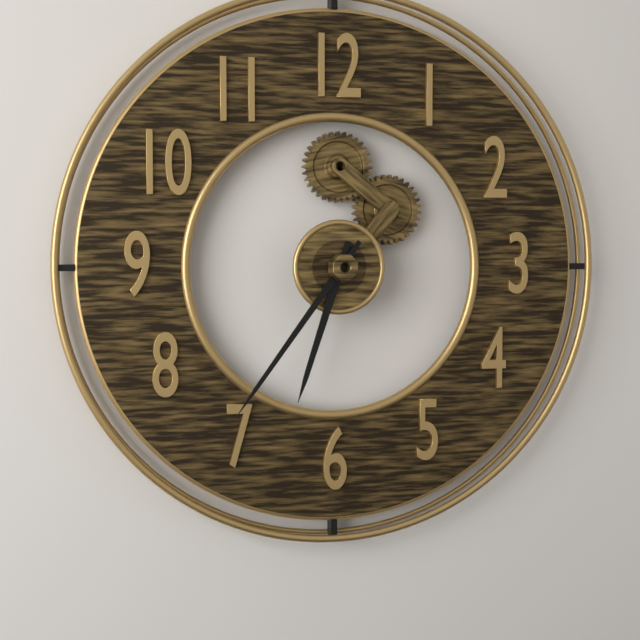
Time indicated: **6:36**
